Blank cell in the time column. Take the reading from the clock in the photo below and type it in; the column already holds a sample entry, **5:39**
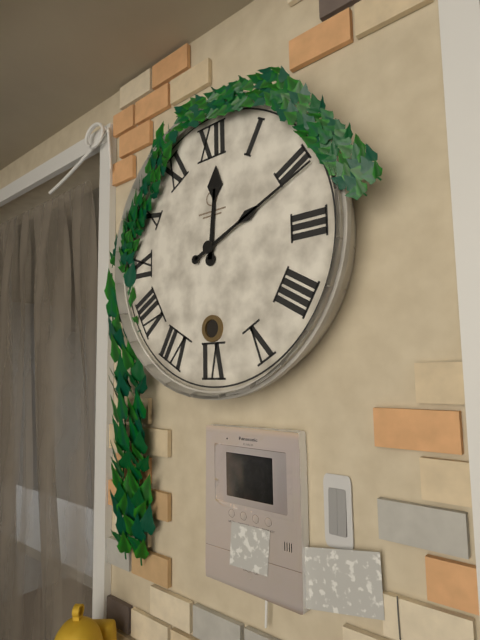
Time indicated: **12:11**
